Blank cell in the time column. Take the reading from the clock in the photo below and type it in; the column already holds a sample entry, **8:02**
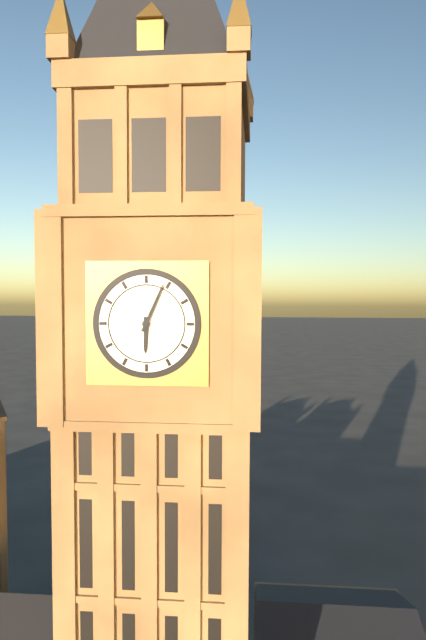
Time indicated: **6:04**
